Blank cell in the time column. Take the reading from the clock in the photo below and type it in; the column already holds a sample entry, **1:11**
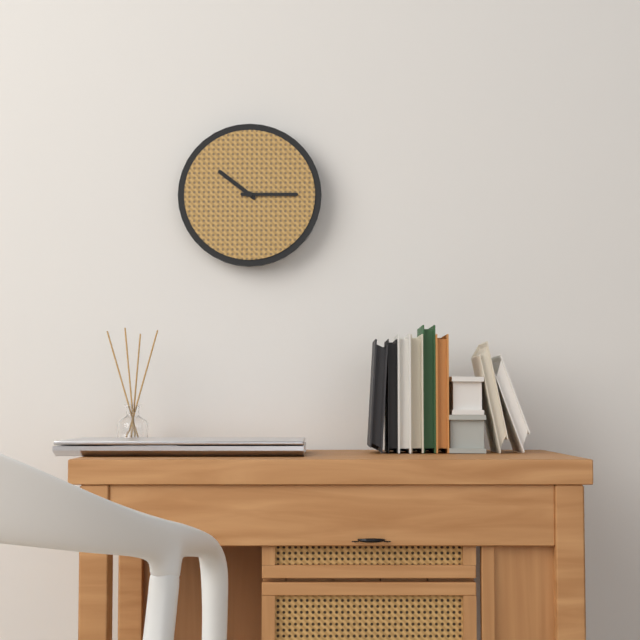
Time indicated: **10:15**
